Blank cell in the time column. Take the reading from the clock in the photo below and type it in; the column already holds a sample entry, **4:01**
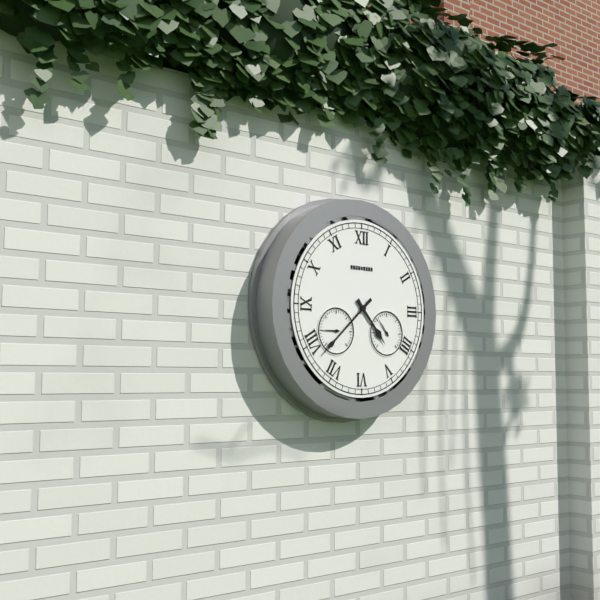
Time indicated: **4:38**
